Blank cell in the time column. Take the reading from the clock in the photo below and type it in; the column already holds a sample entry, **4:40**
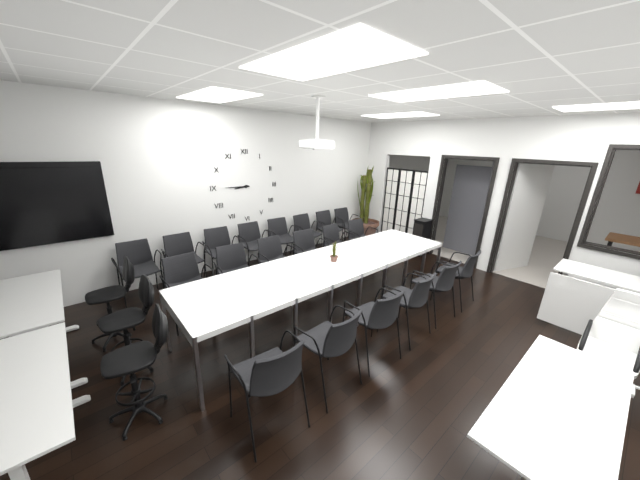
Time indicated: **8:45**
